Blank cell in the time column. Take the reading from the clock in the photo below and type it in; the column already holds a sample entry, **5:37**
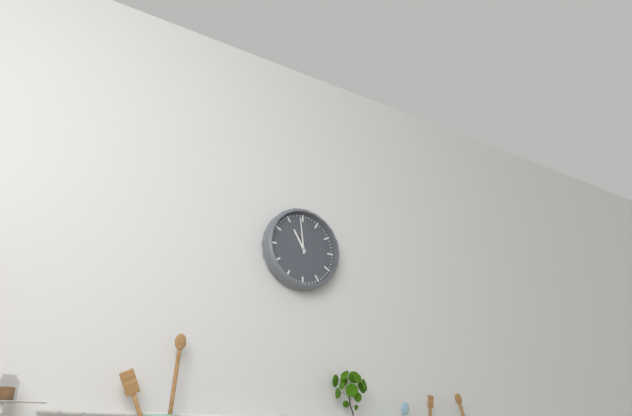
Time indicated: **10:59**
